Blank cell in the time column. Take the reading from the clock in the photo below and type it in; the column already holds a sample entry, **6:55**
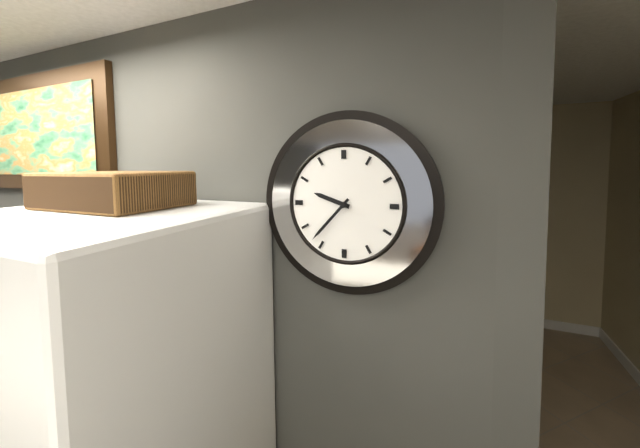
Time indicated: **9:37**
